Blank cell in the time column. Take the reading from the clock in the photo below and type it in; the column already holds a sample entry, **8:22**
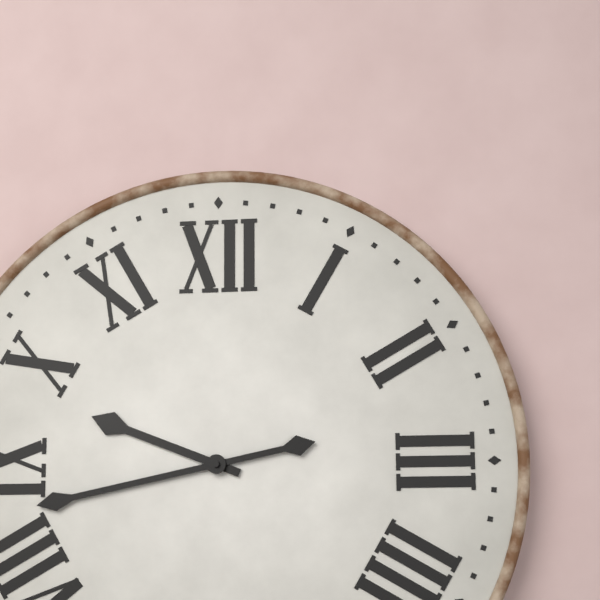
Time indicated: **9:43**
